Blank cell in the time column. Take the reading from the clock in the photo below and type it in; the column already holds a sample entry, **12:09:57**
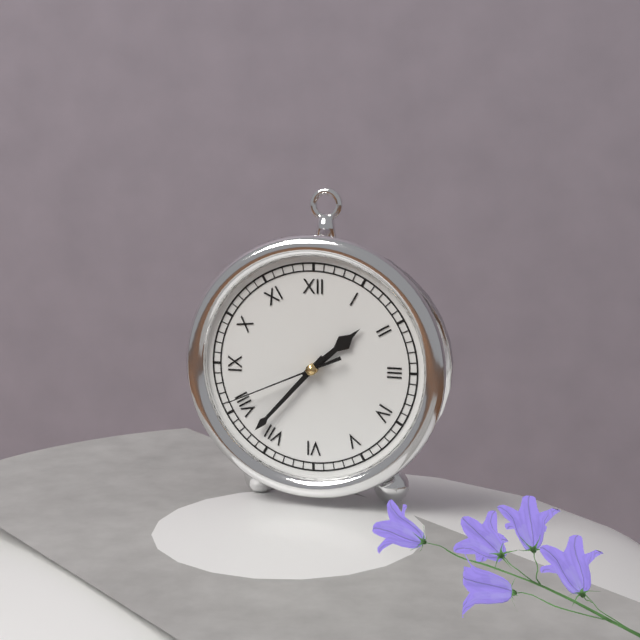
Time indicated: **1:37:41**
